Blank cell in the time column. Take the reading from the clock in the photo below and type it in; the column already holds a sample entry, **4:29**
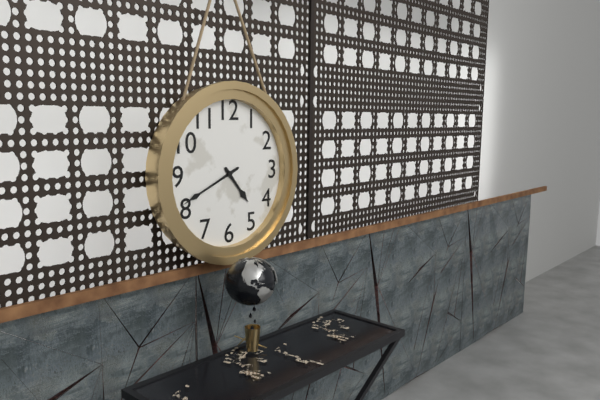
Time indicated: **4:41**
